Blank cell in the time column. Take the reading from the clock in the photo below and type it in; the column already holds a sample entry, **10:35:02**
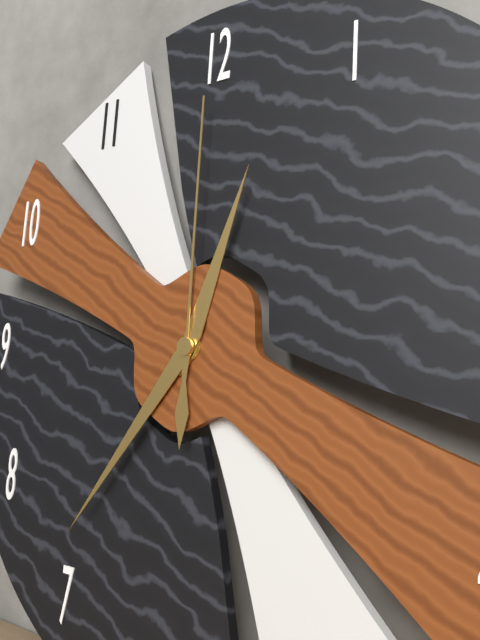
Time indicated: **12:36:00**
